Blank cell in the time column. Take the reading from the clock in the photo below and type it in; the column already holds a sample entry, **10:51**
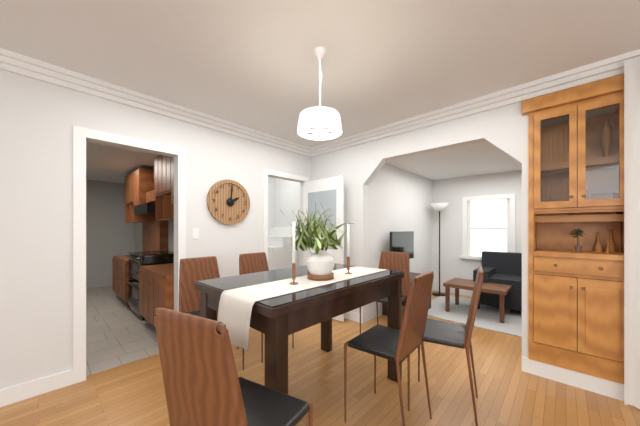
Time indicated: **2:01**
